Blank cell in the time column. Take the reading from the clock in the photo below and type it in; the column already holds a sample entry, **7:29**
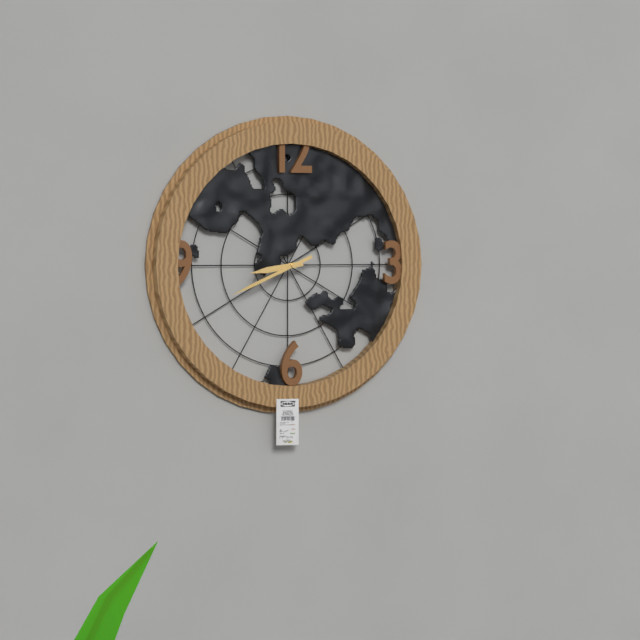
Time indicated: **8:41**
